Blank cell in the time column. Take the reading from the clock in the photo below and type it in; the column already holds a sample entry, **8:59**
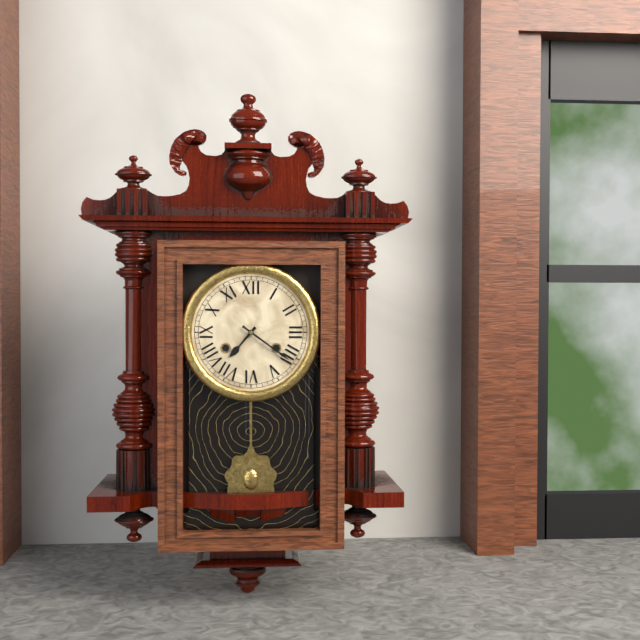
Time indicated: **7:21**
